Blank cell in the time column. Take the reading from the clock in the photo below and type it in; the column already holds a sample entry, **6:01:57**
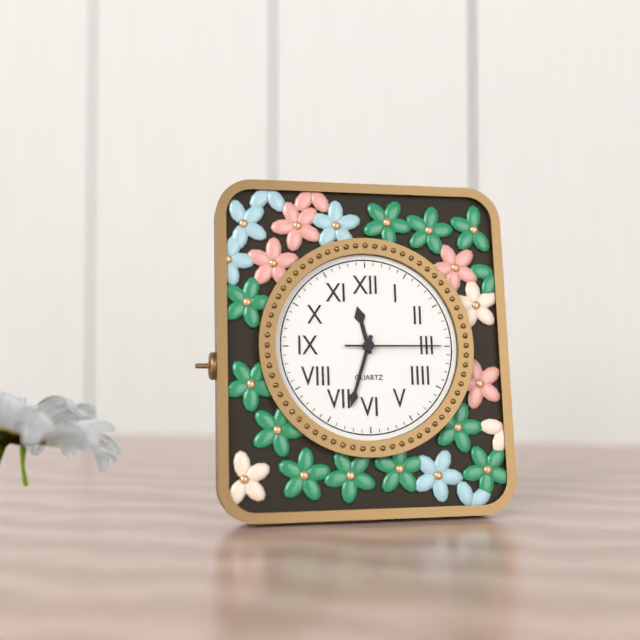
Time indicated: **11:33:15**
